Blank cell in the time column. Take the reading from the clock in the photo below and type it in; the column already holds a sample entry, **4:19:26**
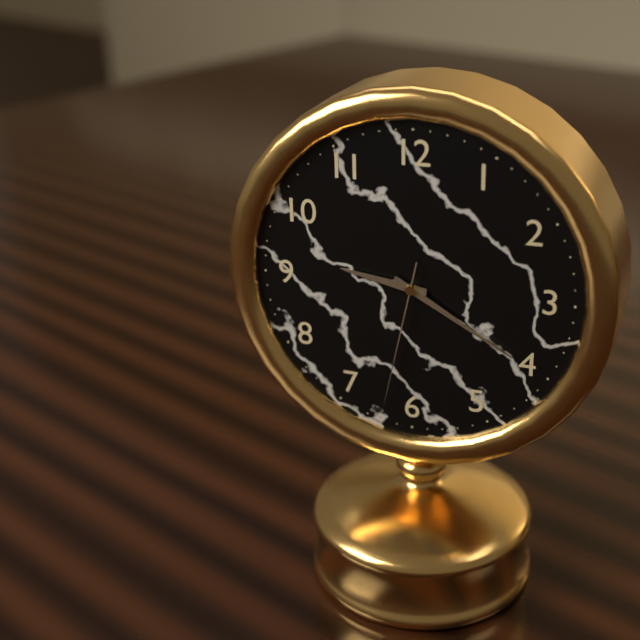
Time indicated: **9:20:32**
